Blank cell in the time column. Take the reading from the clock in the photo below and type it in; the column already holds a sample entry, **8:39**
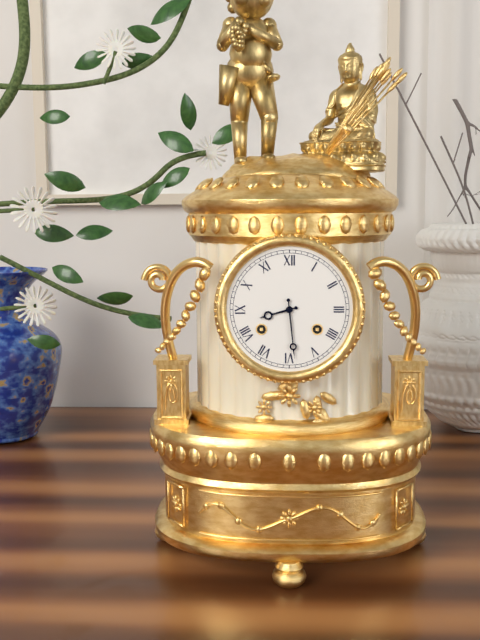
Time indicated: **8:29**
